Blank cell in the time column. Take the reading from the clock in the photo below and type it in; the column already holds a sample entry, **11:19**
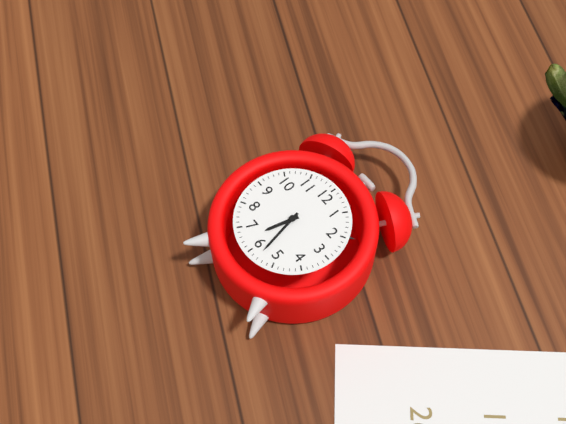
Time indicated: **6:28**
